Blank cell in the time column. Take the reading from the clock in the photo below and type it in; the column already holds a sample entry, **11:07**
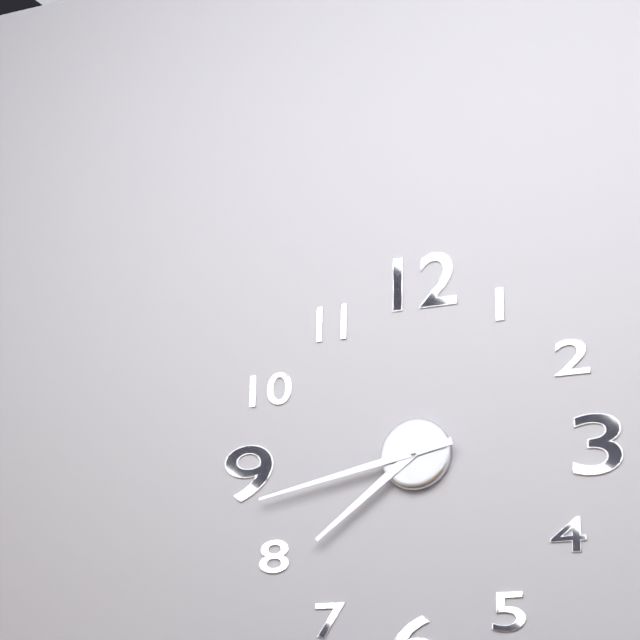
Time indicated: **7:43**
